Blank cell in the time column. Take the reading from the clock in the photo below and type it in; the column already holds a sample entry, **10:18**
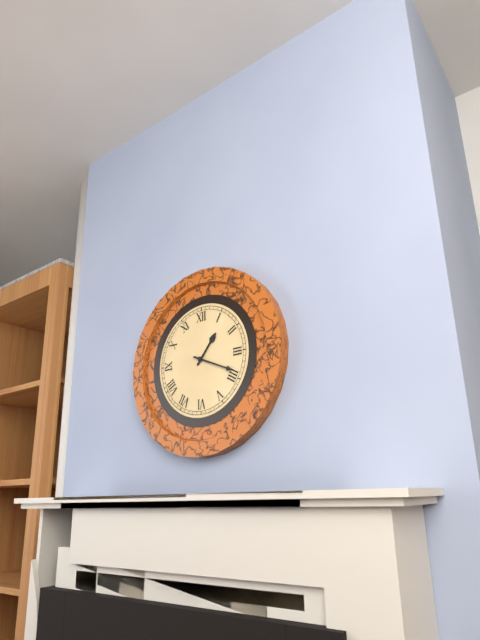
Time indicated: **1:19**
